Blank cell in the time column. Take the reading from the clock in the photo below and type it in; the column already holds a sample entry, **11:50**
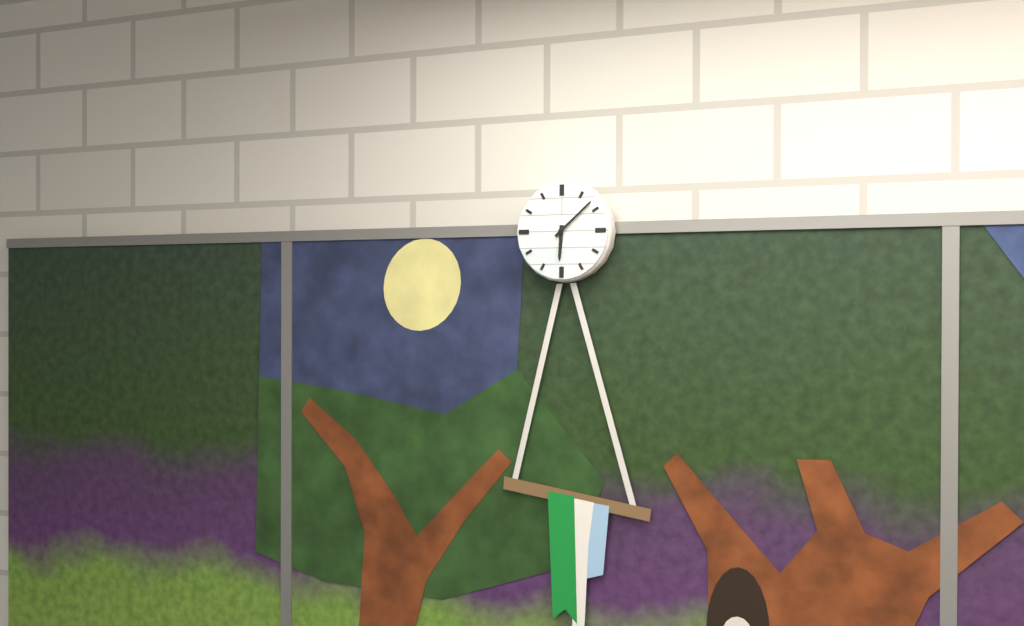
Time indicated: **6:08**
